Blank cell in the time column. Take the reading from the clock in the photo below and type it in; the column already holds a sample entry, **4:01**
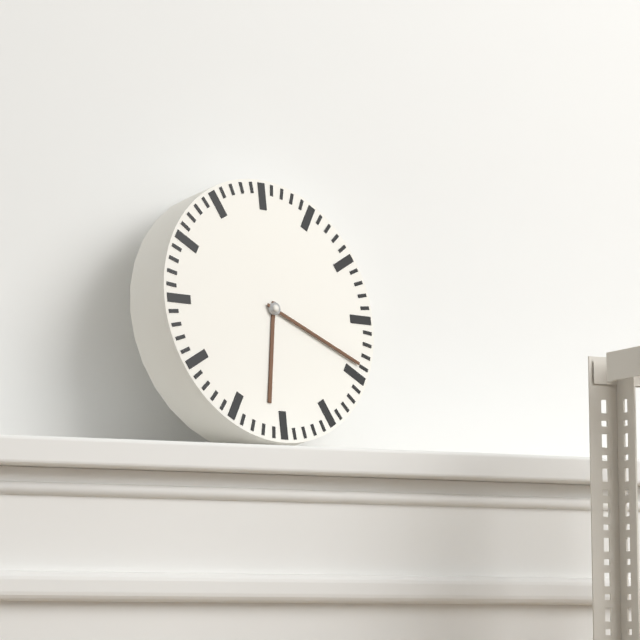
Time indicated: **6:19**
